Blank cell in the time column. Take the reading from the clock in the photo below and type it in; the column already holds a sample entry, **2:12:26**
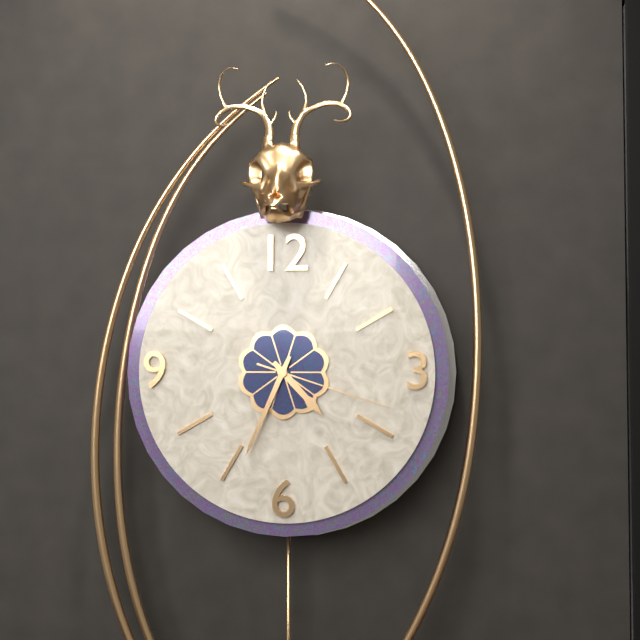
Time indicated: **4:34:18**
